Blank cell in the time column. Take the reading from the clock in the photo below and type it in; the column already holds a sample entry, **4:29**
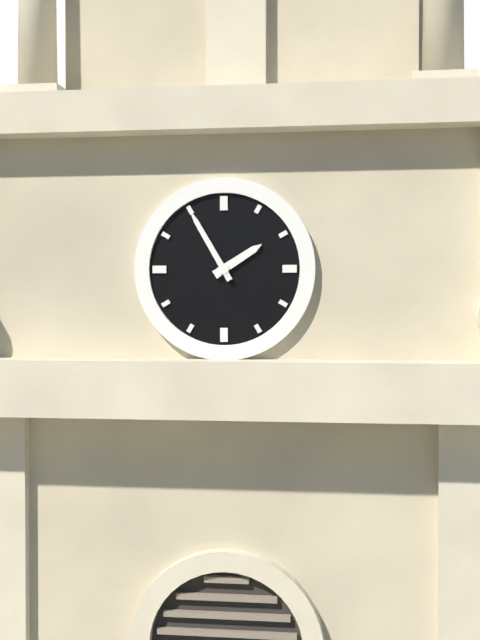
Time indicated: **1:55**
